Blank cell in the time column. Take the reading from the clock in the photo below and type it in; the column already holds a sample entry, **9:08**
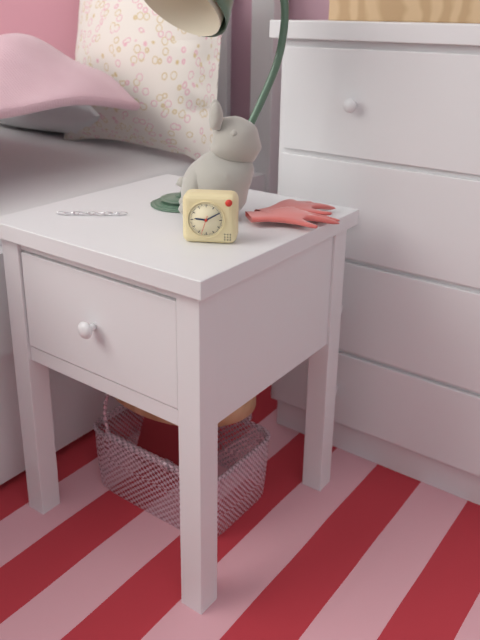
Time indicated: **9:10**
